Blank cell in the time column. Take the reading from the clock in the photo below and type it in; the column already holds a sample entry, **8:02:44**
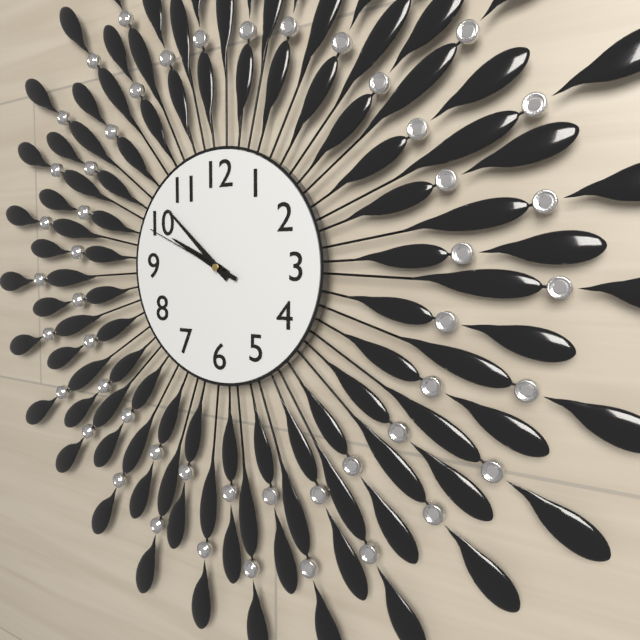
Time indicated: **9:52:49**
